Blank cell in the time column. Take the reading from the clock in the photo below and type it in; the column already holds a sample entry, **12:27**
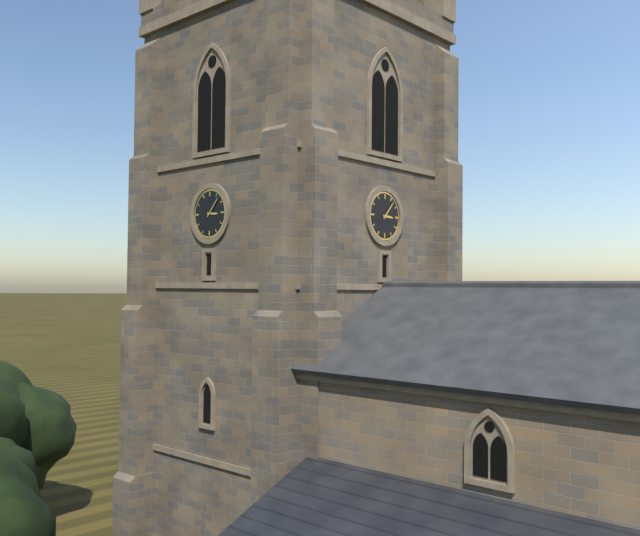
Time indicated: **3:07**
